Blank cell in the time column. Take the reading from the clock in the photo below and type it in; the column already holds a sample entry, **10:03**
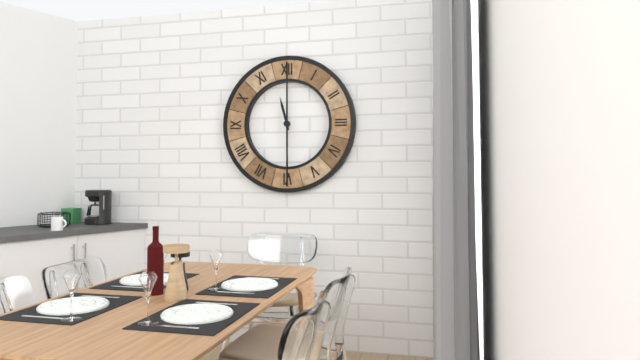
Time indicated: **11:30**
